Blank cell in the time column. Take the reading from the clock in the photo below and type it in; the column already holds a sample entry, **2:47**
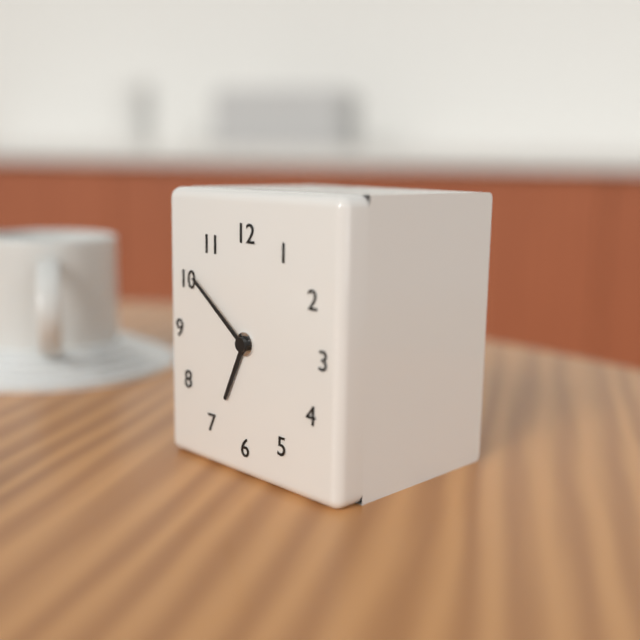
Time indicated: **6:51**
